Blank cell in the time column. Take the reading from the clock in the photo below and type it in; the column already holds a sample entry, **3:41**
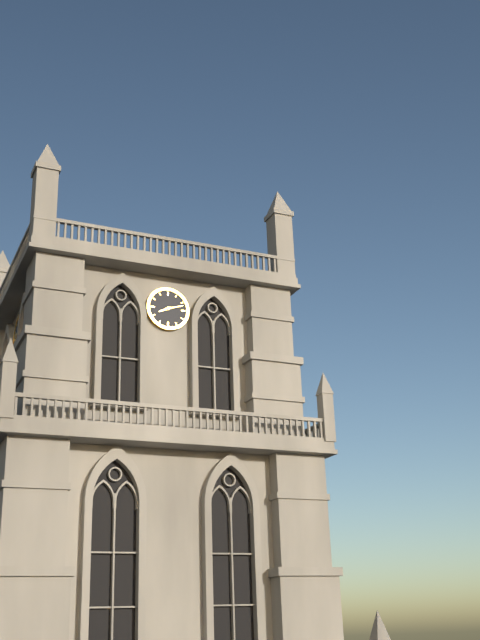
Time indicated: **8:12**
